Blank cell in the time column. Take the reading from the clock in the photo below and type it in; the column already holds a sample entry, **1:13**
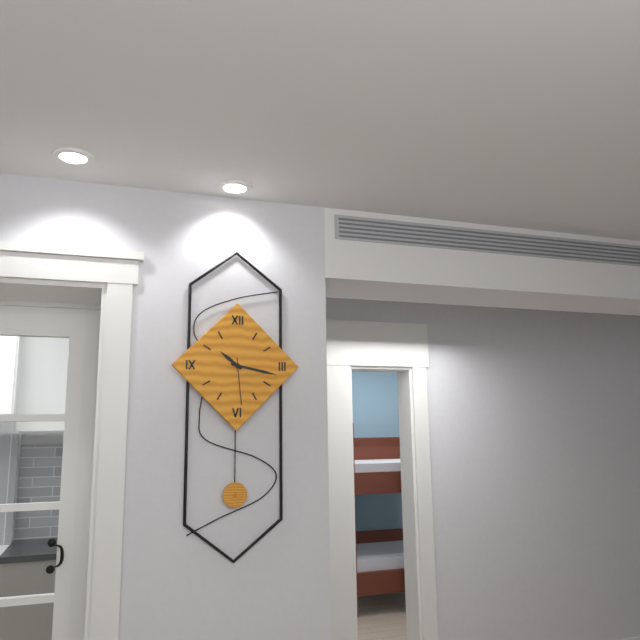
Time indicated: **10:17**
